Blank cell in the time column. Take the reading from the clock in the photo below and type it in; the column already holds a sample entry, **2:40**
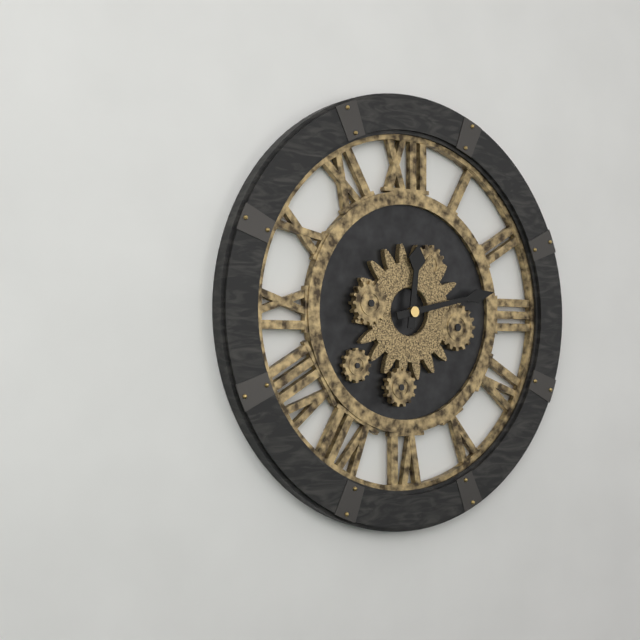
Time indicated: **12:13**
